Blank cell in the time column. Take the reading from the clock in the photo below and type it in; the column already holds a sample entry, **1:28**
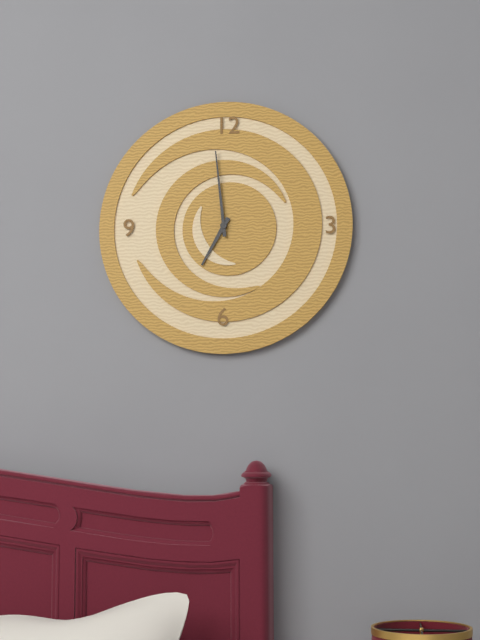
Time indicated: **6:59**
